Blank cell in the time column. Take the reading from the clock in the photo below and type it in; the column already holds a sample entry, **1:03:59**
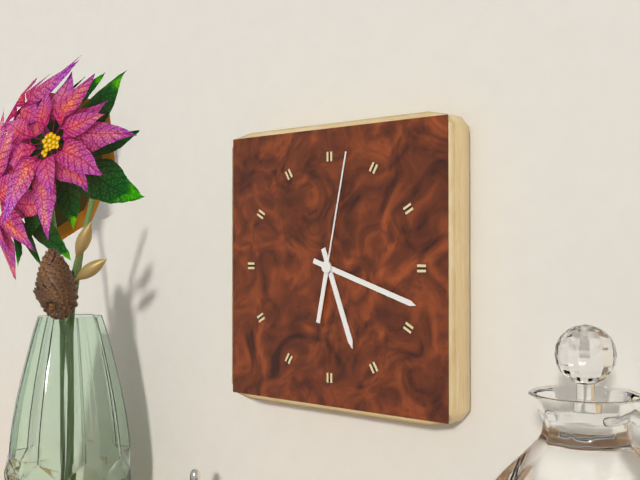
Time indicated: **5:18:02**
